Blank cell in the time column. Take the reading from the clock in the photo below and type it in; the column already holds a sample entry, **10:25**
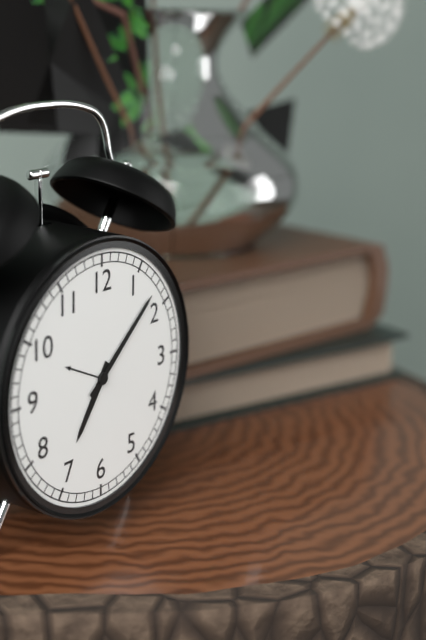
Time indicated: **7:08**
